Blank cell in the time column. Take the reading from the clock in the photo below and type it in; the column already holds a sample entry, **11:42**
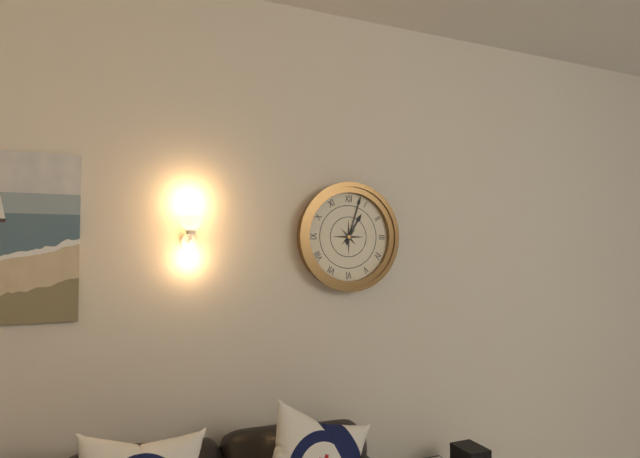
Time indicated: **1:03**
